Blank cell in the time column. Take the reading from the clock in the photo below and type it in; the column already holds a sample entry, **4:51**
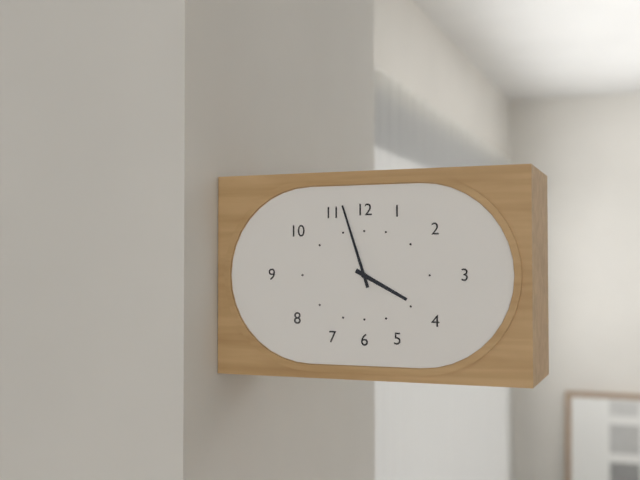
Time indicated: **3:57**
